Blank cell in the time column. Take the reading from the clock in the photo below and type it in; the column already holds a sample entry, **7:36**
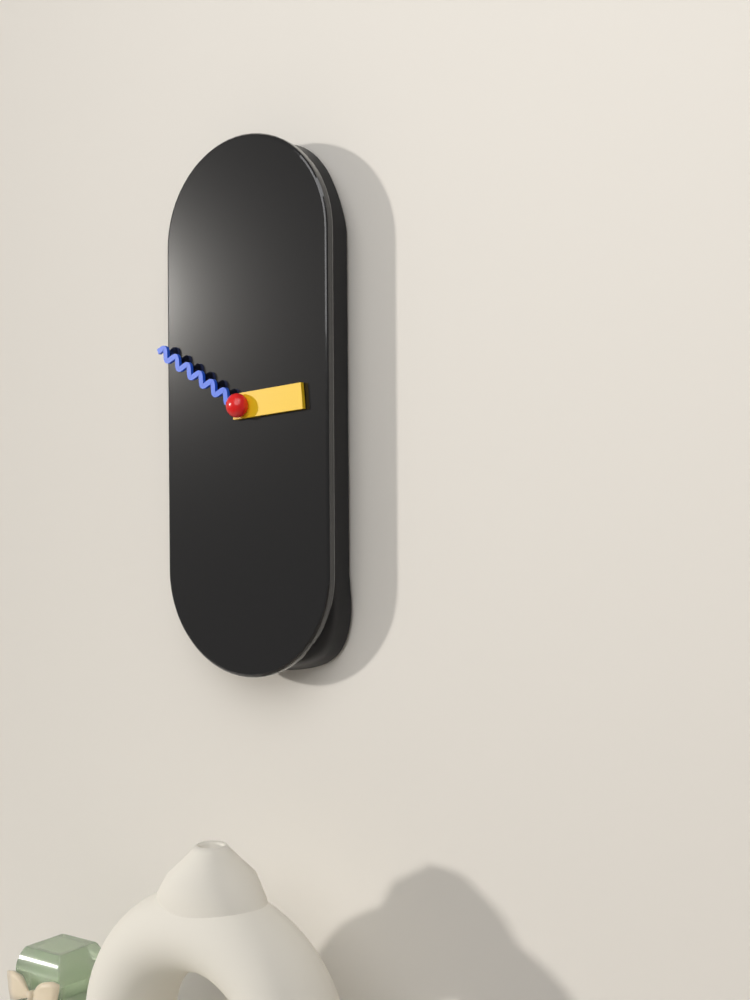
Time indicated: **2:50**
